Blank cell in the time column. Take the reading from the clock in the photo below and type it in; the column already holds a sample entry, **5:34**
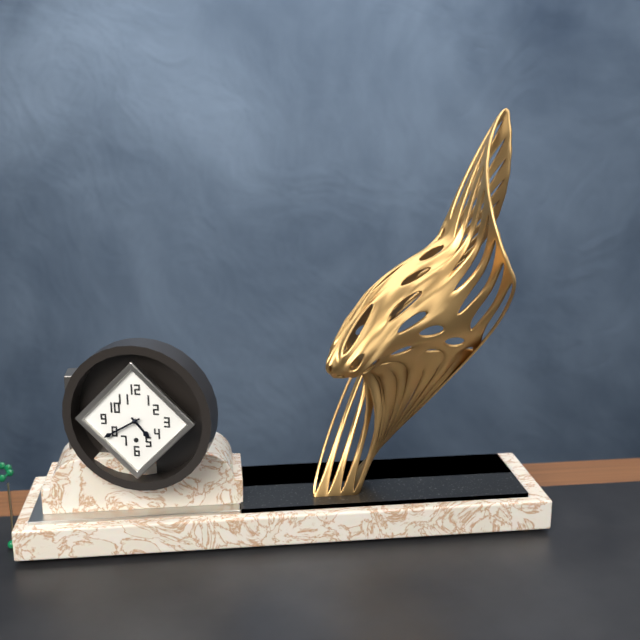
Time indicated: **4:40**
